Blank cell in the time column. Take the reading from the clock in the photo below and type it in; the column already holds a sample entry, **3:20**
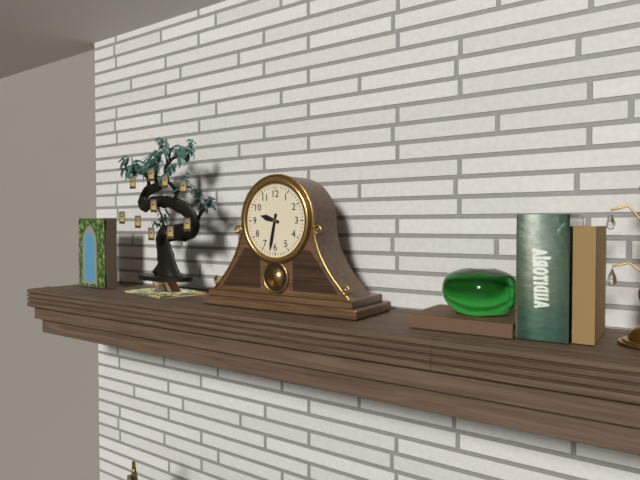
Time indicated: **9:32**
